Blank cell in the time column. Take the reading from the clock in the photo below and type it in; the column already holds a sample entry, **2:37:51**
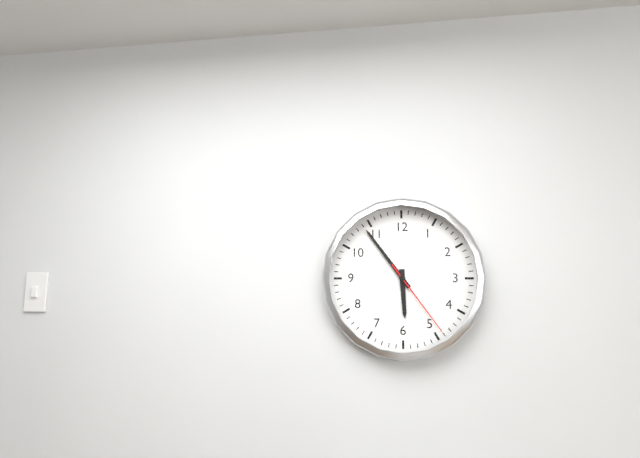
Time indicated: **5:54:24**
